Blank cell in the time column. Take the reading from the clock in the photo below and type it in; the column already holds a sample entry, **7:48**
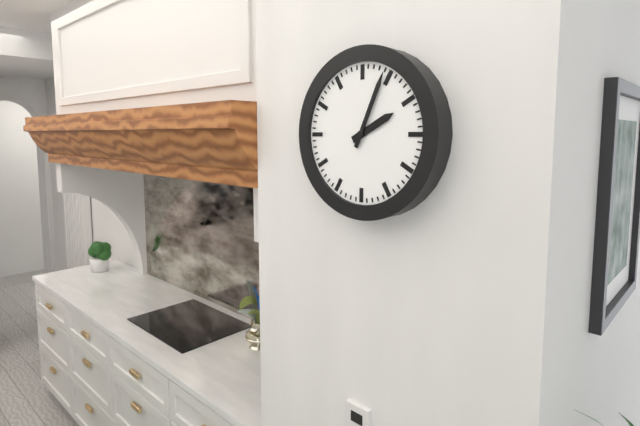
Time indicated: **2:04**
